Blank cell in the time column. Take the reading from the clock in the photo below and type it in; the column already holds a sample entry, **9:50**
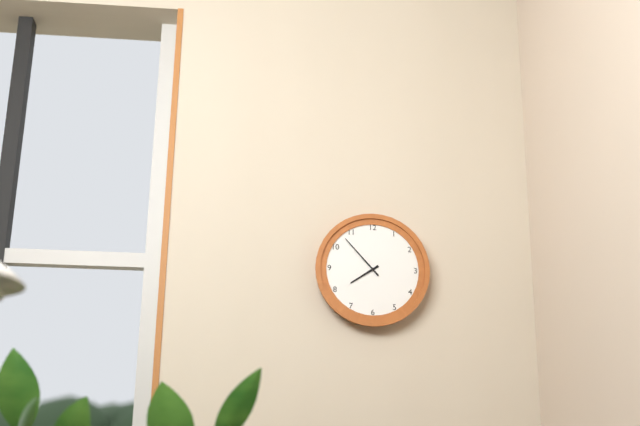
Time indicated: **7:53**
